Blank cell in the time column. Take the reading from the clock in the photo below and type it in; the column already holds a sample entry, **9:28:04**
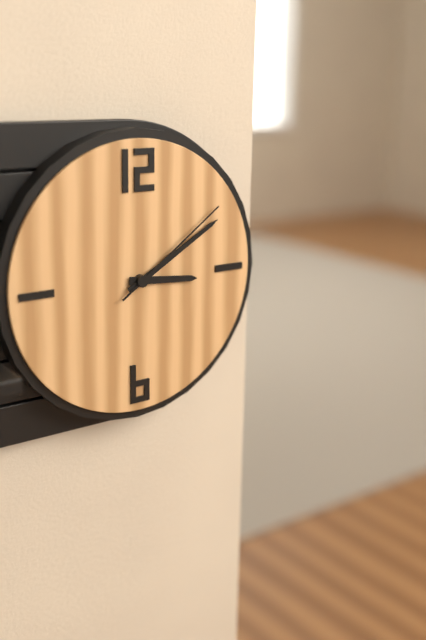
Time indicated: **3:10:09**
